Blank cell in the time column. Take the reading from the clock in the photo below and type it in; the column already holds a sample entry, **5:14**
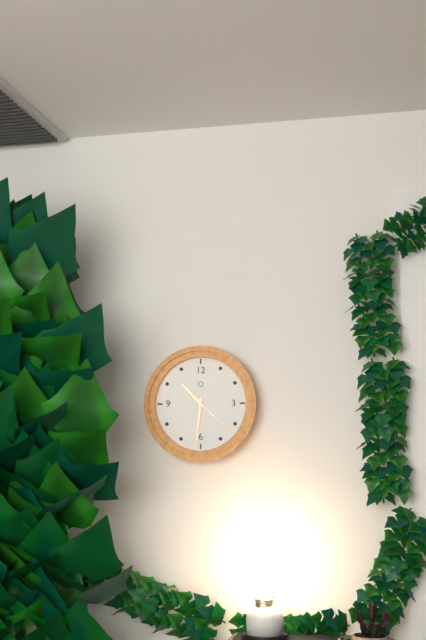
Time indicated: **10:31**
